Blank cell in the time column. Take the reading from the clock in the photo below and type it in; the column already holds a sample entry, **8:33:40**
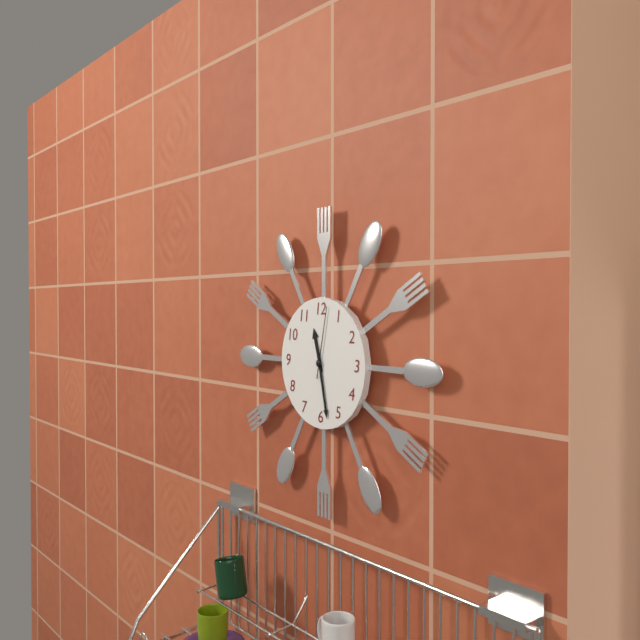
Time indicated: **11:28:02**
